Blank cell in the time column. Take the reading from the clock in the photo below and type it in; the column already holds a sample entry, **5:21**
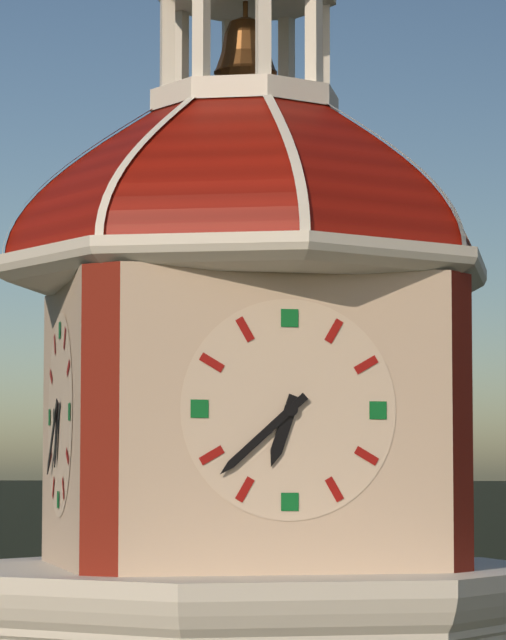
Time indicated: **6:38**
